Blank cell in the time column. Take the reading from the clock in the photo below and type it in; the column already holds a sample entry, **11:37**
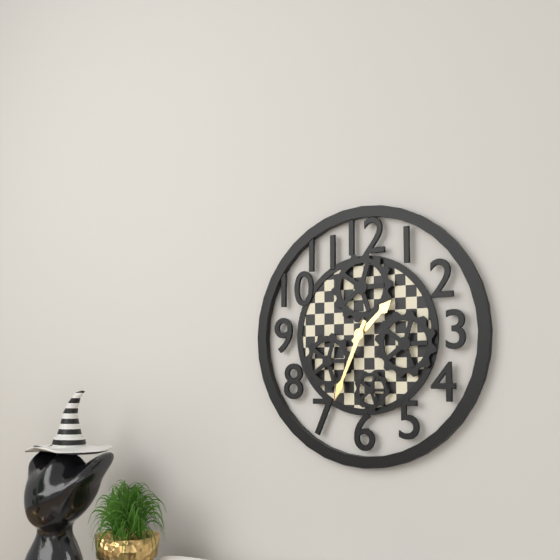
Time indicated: **1:34**
